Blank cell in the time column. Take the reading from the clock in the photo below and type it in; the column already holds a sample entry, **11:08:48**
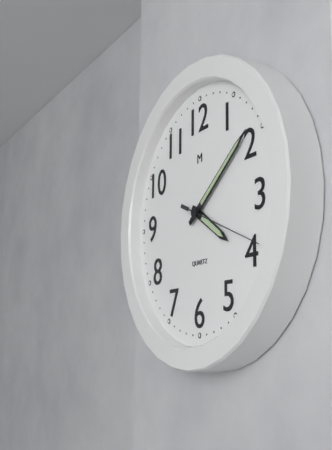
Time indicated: **4:09:19**
